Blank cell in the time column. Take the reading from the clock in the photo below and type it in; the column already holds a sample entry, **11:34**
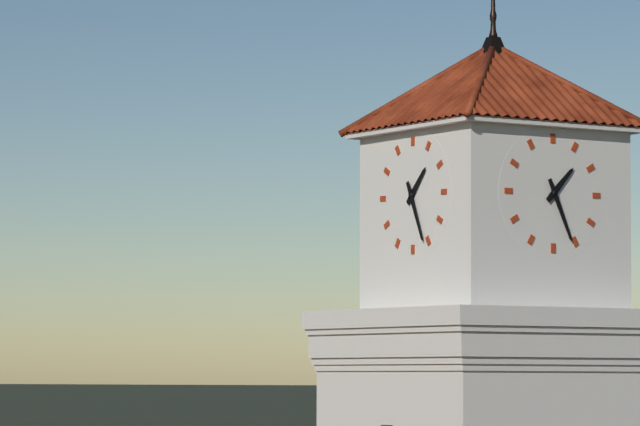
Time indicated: **1:26**
